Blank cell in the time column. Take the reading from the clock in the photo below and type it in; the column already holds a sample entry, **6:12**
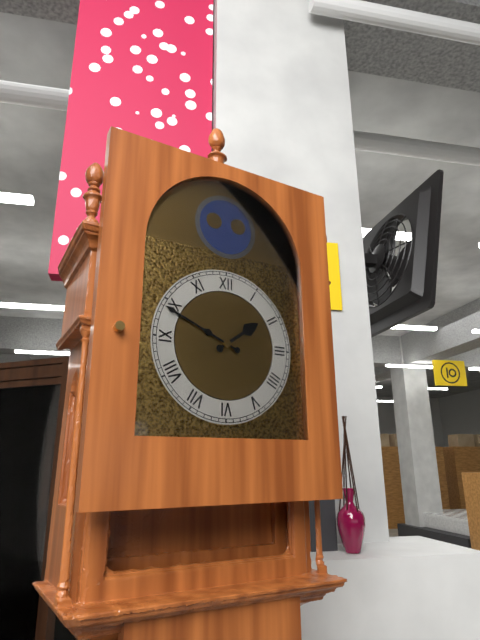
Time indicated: **1:49**
